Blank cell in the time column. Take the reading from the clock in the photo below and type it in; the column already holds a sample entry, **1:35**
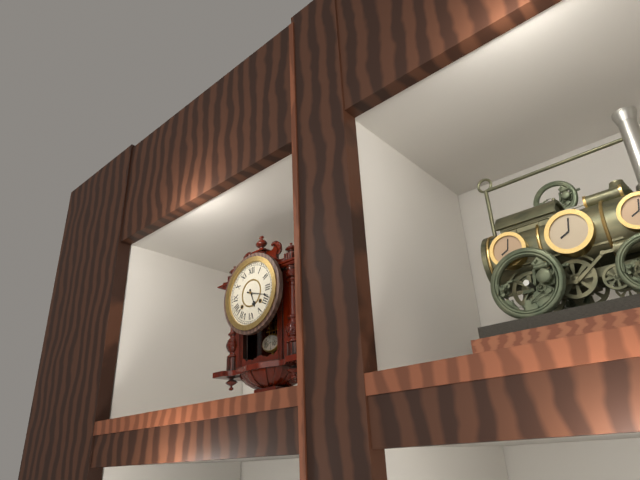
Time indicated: **5:18**
